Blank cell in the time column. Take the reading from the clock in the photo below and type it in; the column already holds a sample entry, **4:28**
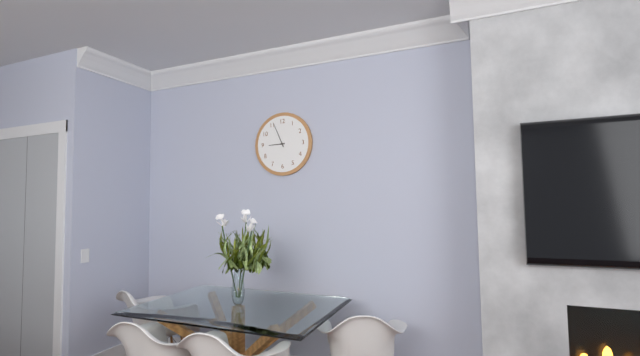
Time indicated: **8:56**
